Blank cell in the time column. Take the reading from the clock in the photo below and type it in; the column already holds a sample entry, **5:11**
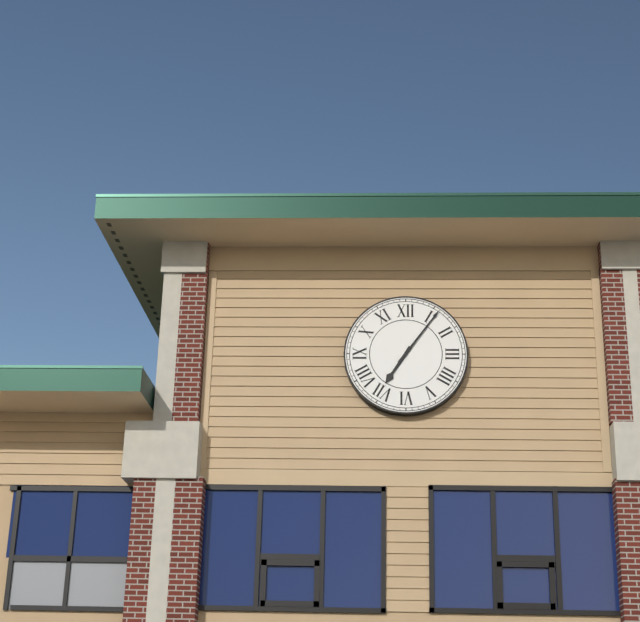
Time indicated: **7:06**
